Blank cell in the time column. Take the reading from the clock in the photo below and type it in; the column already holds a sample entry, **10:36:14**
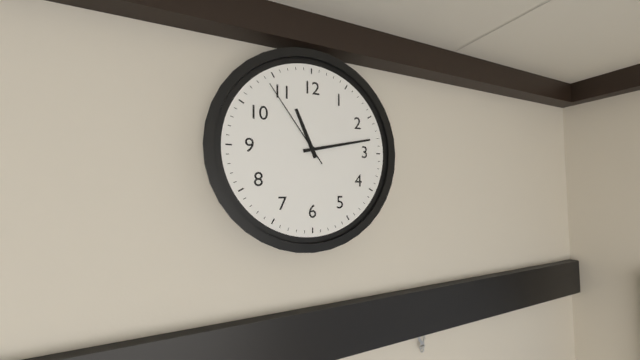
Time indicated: **11:13:54**
